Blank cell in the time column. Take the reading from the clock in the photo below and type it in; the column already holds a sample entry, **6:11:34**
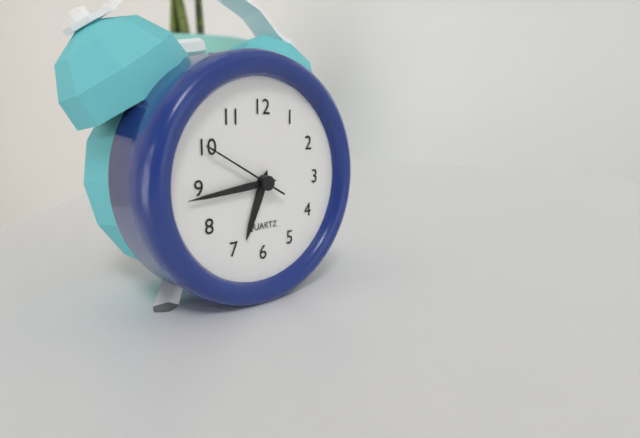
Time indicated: **6:44:50**
